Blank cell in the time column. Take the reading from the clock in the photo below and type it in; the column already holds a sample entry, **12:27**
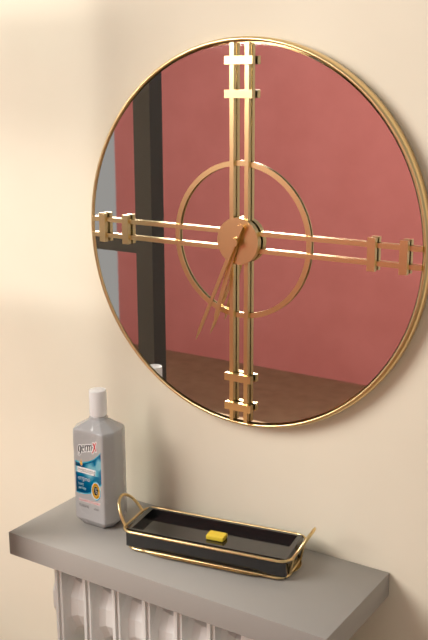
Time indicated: **6:34**
